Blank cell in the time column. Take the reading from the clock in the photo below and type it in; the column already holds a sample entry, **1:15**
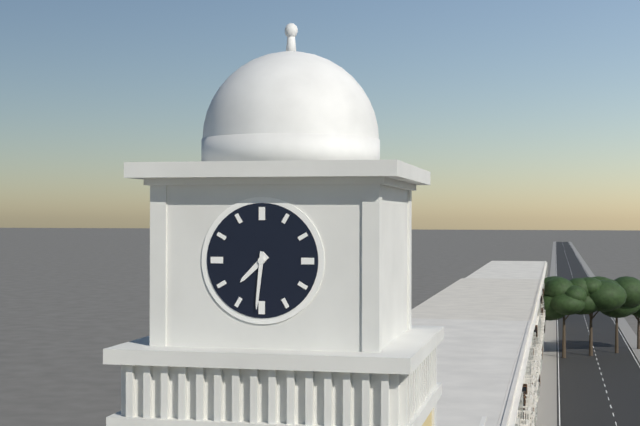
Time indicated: **7:31**
